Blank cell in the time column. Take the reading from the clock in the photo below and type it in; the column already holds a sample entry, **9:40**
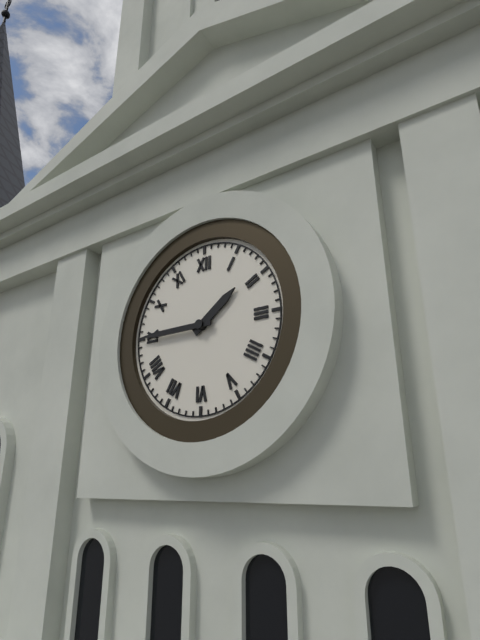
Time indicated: **1:45**
